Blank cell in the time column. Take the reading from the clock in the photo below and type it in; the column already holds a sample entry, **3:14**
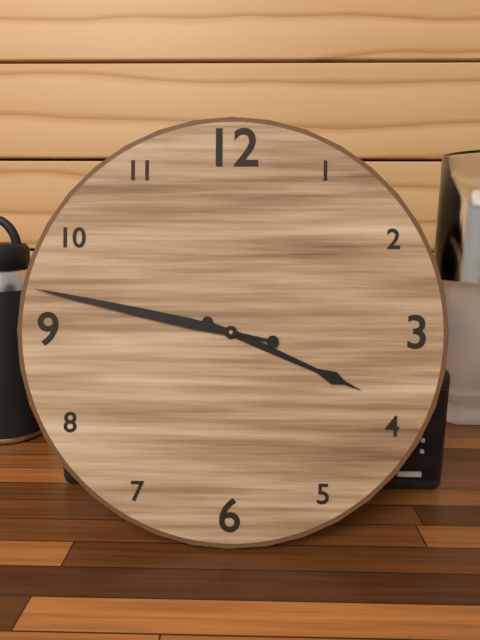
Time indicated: **3:47**
